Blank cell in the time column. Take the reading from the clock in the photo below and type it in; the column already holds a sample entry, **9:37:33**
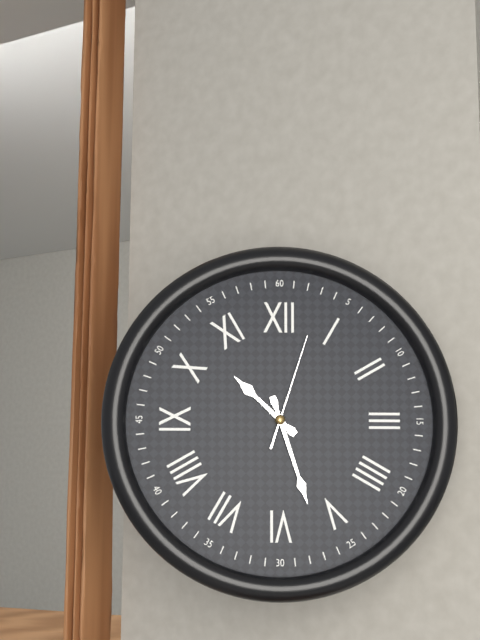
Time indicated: **10:27:03**
